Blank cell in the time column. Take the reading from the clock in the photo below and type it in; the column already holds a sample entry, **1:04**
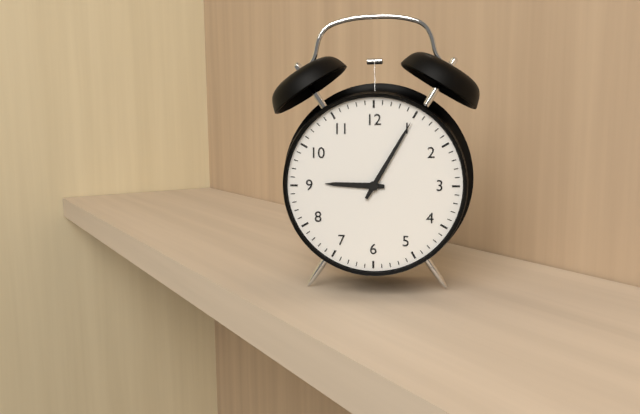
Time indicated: **9:05**
